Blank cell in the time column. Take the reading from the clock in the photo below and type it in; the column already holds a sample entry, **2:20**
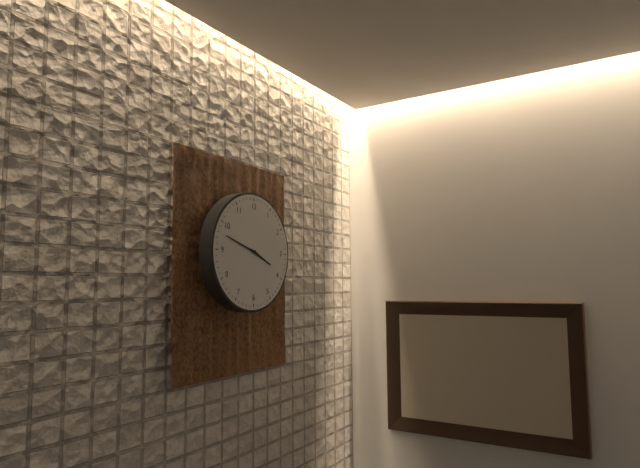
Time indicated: **3:48**
